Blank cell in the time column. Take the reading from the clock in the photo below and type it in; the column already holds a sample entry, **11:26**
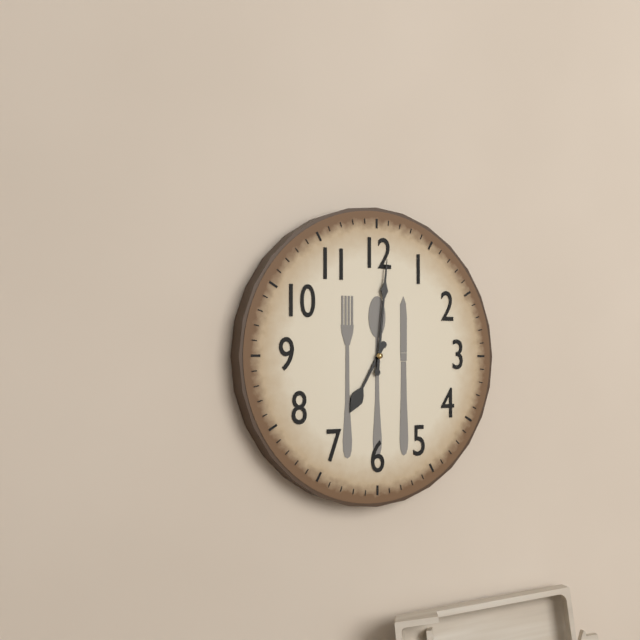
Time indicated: **7:01**
